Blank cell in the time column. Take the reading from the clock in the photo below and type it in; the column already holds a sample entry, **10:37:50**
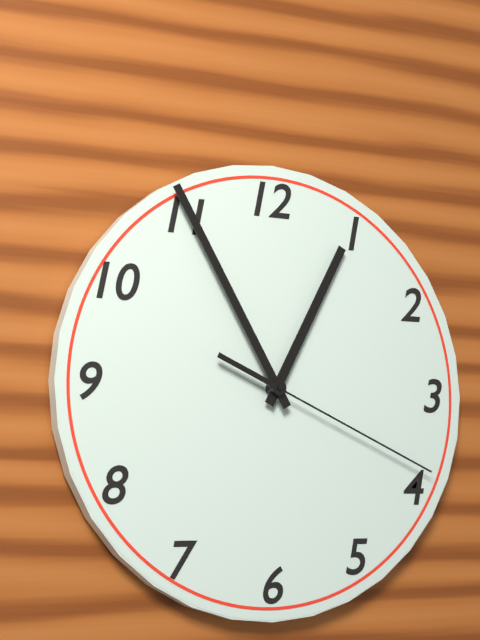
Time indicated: **12:55:19**
